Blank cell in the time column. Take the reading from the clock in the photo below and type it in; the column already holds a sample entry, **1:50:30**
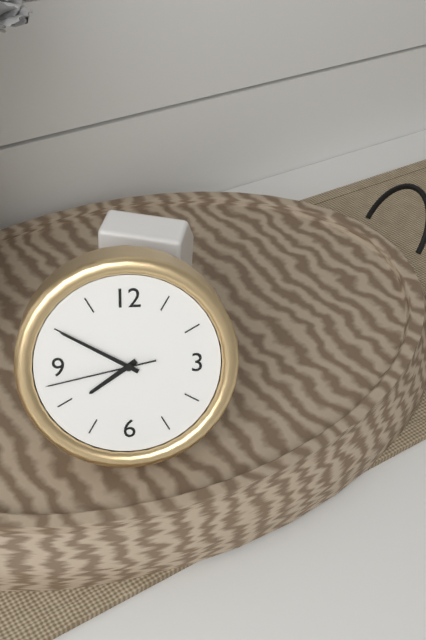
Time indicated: **7:50:43**
